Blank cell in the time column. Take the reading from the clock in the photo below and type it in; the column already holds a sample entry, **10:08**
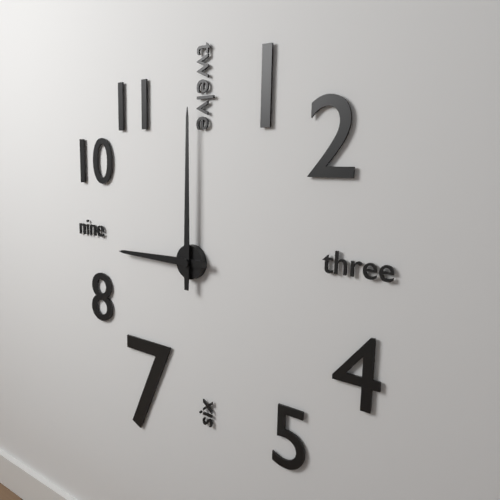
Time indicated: **9:00**
